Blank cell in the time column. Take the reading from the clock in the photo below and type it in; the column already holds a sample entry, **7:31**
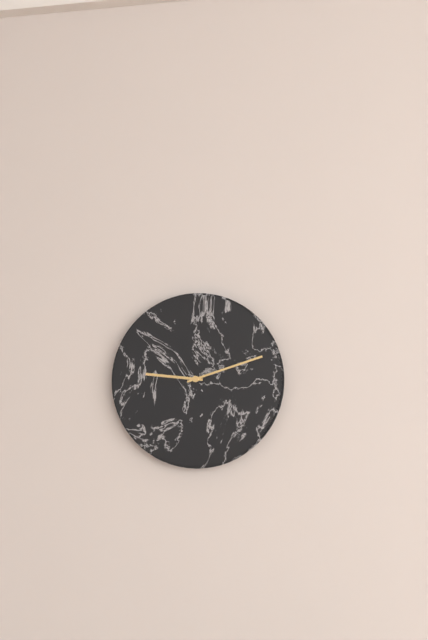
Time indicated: **9:12**
